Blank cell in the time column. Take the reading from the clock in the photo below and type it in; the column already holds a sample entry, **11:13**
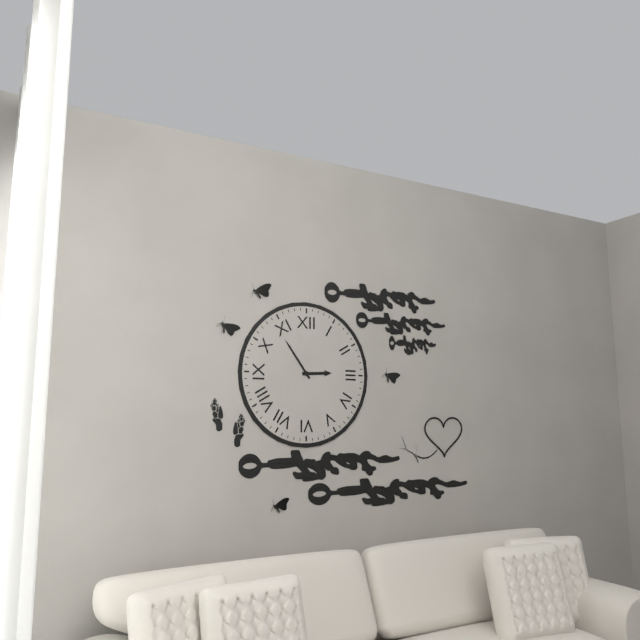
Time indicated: **2:54**
